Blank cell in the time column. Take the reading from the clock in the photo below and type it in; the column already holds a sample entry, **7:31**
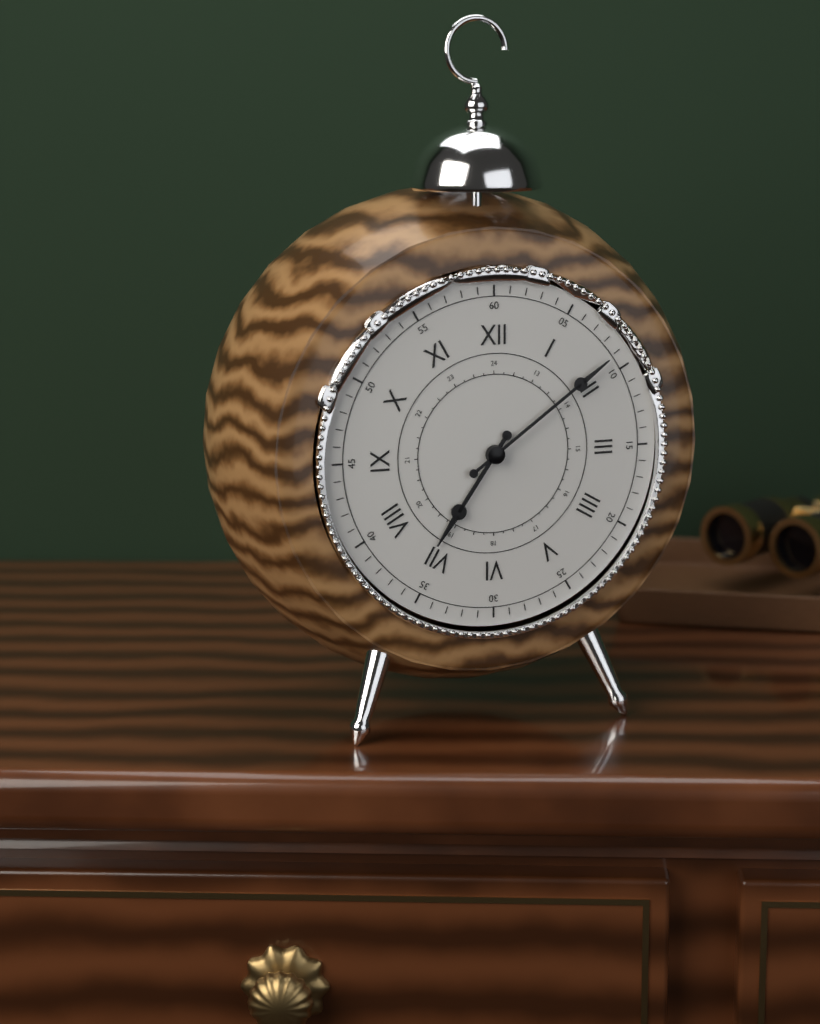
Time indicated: **7:09**
